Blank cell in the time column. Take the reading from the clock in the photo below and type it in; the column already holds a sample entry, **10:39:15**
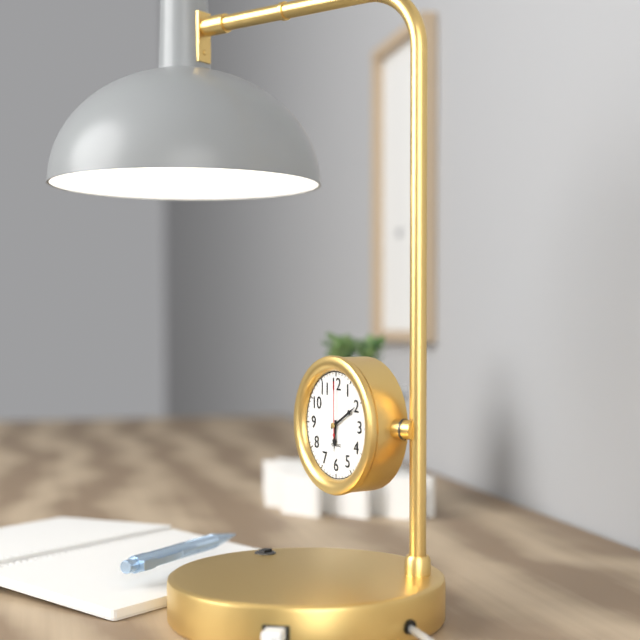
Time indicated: **6:10:00**
